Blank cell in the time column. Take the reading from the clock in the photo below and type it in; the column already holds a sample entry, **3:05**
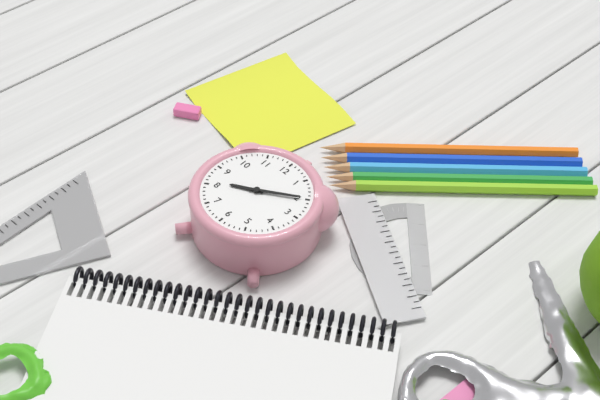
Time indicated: **8:10**
